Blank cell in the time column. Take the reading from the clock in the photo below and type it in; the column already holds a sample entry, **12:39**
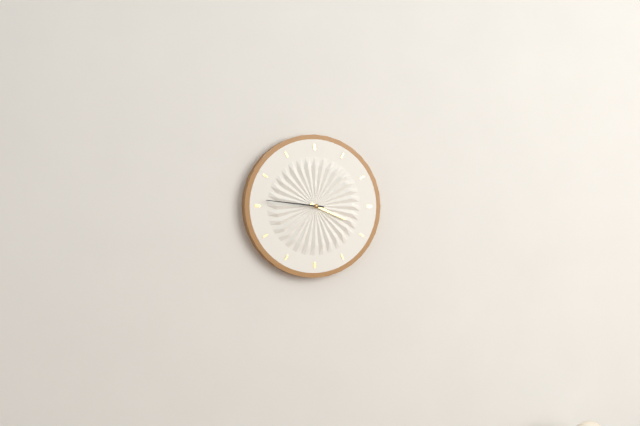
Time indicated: **3:46**
